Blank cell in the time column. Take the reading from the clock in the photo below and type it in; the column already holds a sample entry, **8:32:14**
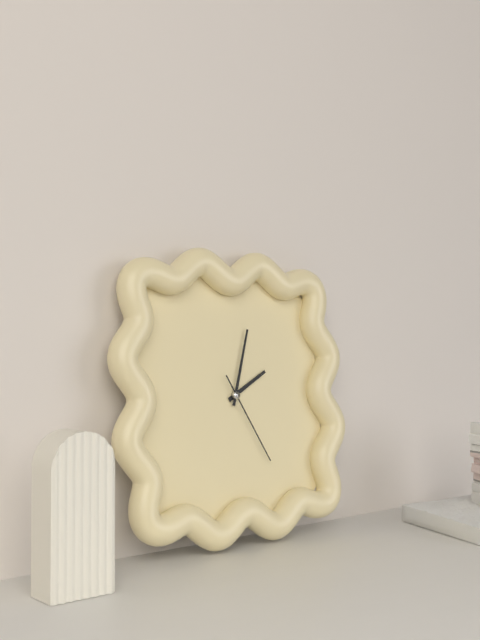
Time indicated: **2:03:25**
